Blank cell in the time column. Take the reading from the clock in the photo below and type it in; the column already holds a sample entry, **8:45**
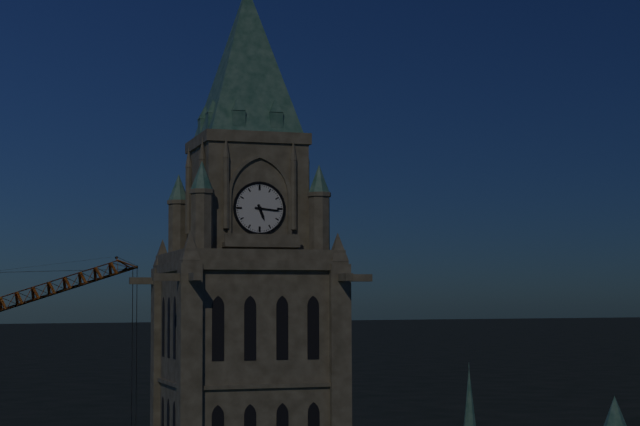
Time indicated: **5:16**
